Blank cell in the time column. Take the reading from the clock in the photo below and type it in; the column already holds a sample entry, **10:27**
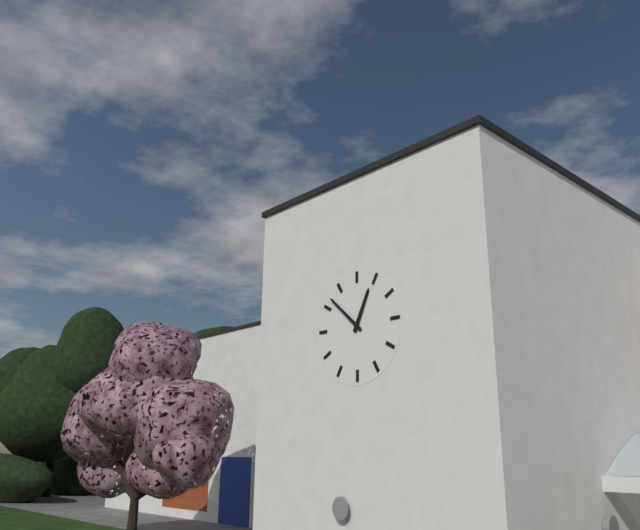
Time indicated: **12:52**
